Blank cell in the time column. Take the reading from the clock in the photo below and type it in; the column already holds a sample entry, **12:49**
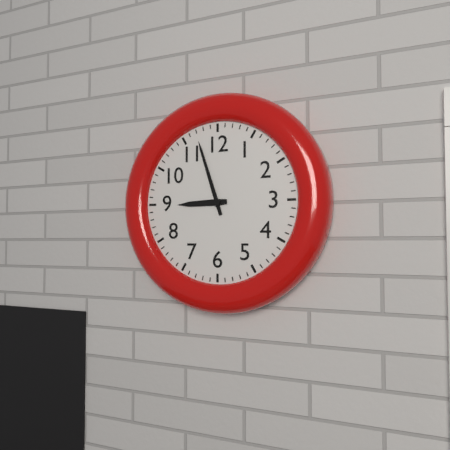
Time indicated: **8:57**
